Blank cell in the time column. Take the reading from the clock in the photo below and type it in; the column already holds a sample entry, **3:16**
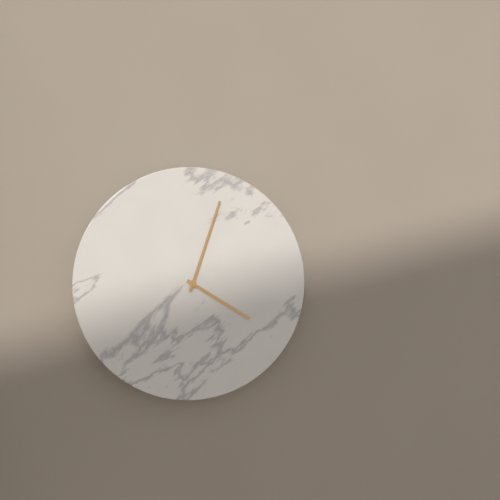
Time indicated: **4:03**
